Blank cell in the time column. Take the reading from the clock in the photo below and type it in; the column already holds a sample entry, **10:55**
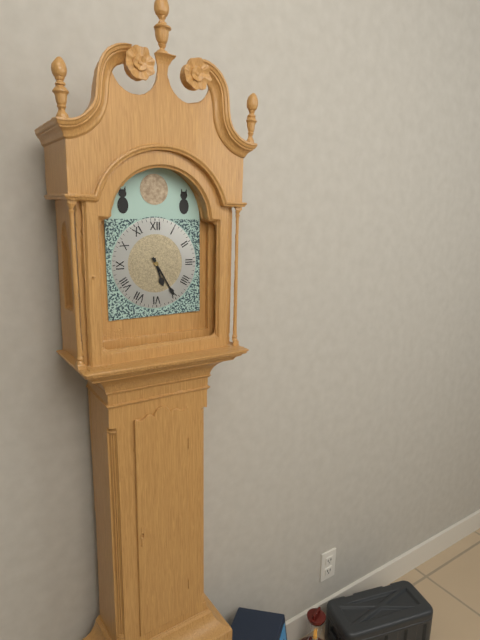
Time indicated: **5:25**
